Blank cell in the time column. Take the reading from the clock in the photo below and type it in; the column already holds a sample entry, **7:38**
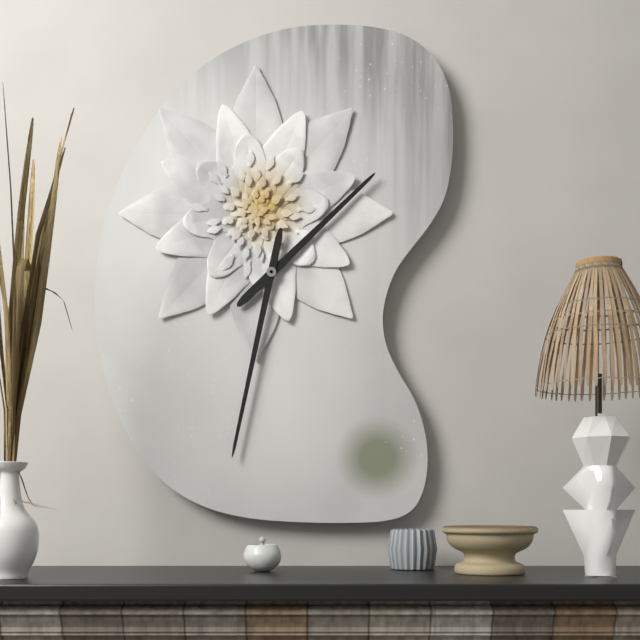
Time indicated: **1:32**
